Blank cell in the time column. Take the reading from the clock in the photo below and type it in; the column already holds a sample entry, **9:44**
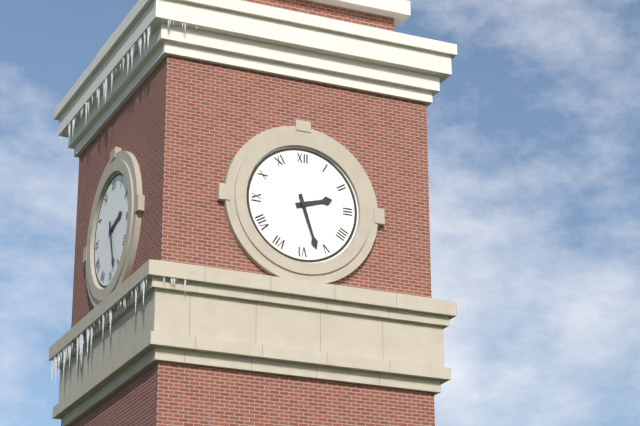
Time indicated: **2:27**
